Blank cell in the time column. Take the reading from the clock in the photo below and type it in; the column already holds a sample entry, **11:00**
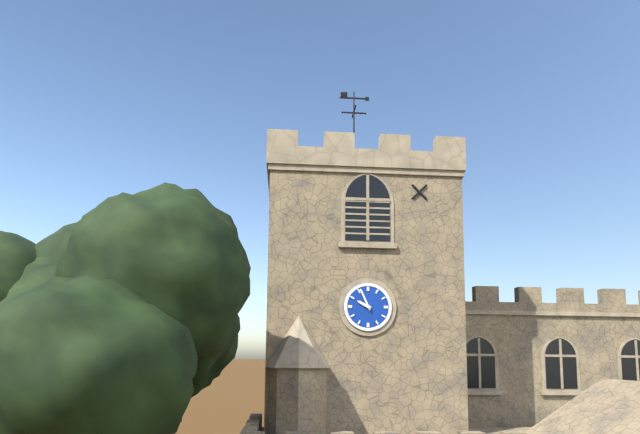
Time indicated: **9:56**
